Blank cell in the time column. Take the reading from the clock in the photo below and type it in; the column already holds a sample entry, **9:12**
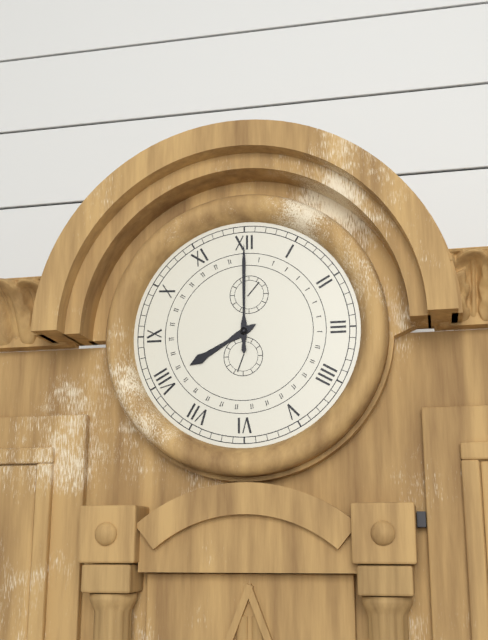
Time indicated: **8:00**
